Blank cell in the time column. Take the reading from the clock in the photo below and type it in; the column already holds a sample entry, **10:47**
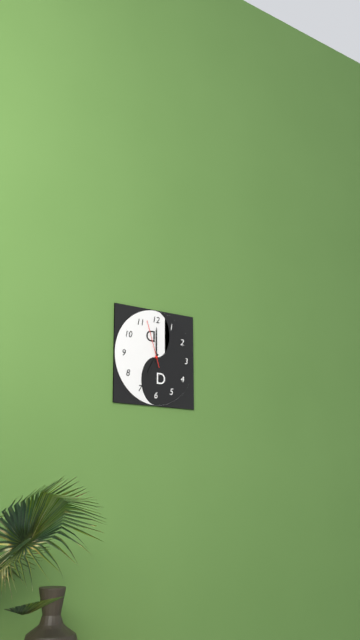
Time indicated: **7:00**
